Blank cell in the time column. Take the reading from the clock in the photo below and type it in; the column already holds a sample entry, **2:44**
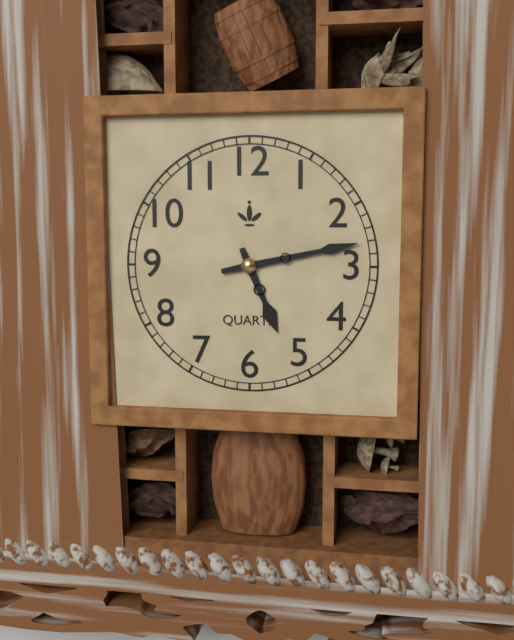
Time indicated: **5:13**
